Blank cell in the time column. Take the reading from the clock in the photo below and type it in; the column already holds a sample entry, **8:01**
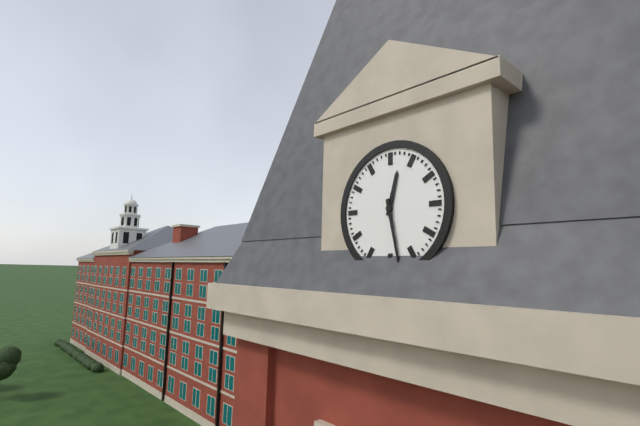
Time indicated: **12:28**
